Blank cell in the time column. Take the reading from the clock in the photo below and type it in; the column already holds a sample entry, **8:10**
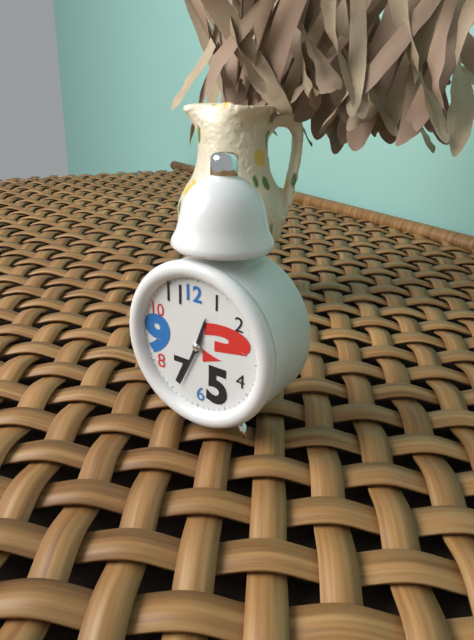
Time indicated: **12:34**
